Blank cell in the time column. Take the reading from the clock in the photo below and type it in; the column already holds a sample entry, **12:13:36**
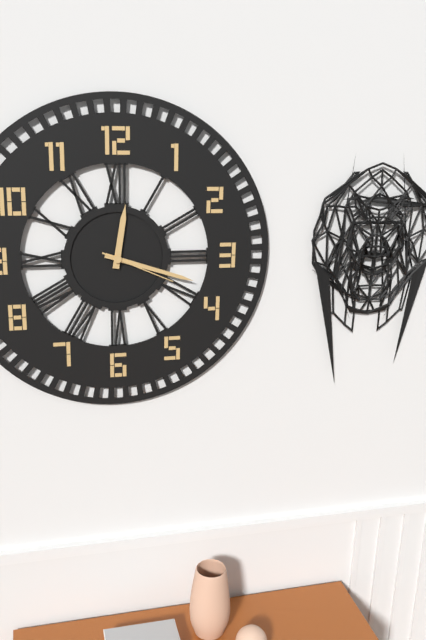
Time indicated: **12:18:19**
